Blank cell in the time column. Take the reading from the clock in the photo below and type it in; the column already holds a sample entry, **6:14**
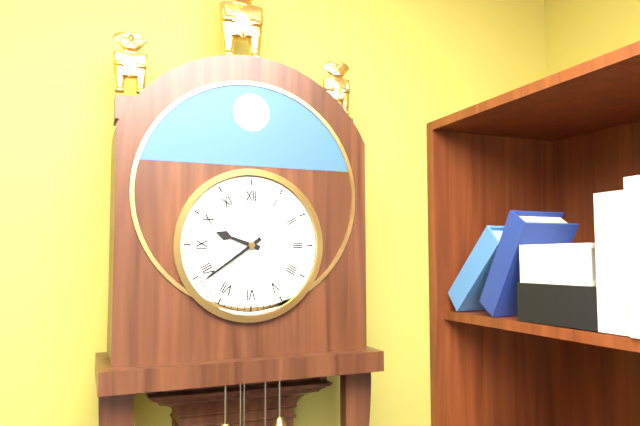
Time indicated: **9:39**
